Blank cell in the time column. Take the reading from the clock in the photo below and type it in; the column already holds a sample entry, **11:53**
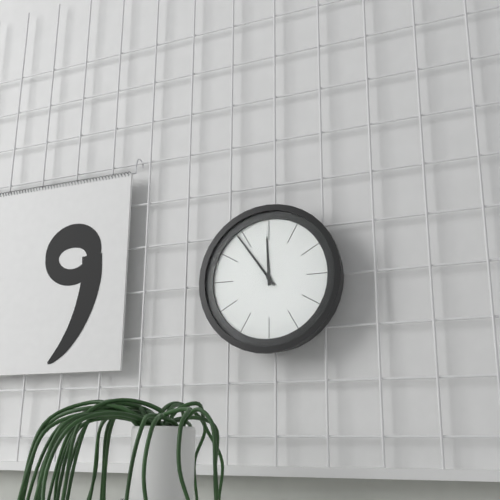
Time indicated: **11:54**
